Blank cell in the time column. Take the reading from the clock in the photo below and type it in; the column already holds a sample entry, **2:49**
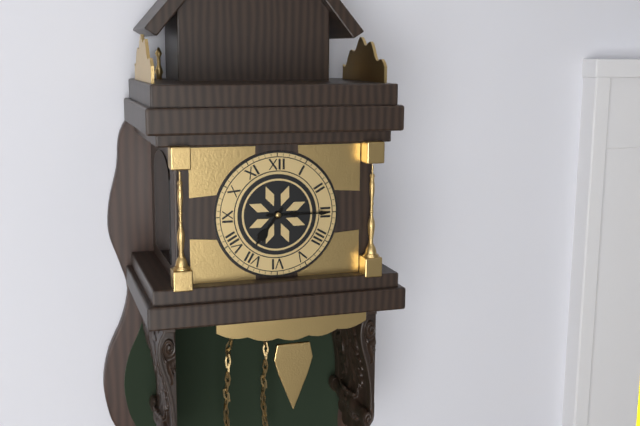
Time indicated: **7:15**
